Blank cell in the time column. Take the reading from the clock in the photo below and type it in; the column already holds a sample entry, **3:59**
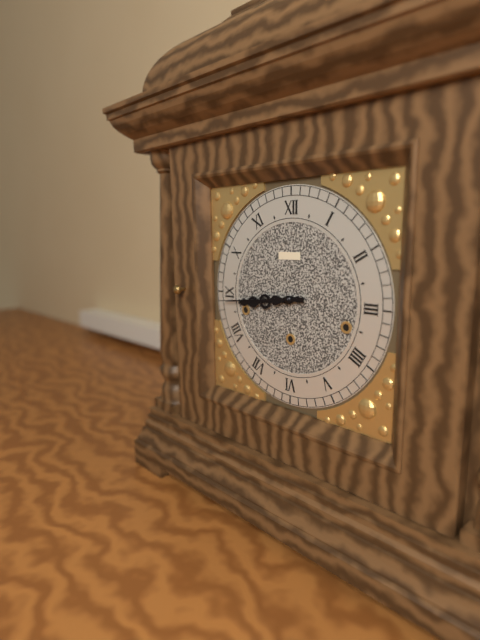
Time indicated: **8:44**
